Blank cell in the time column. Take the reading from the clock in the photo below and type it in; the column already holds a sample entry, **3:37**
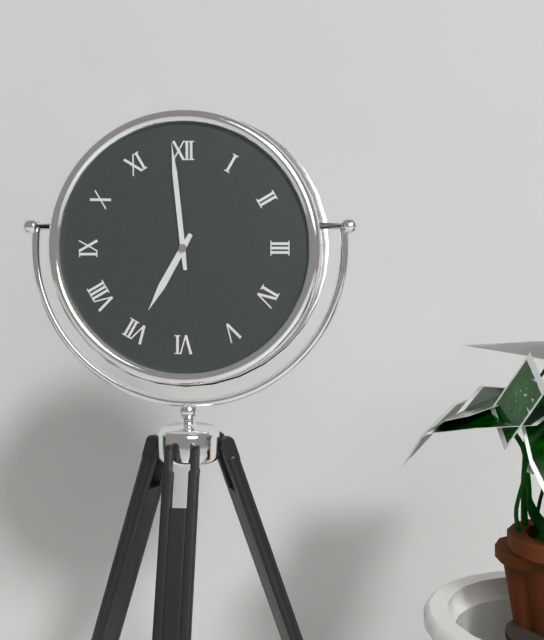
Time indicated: **6:59**
